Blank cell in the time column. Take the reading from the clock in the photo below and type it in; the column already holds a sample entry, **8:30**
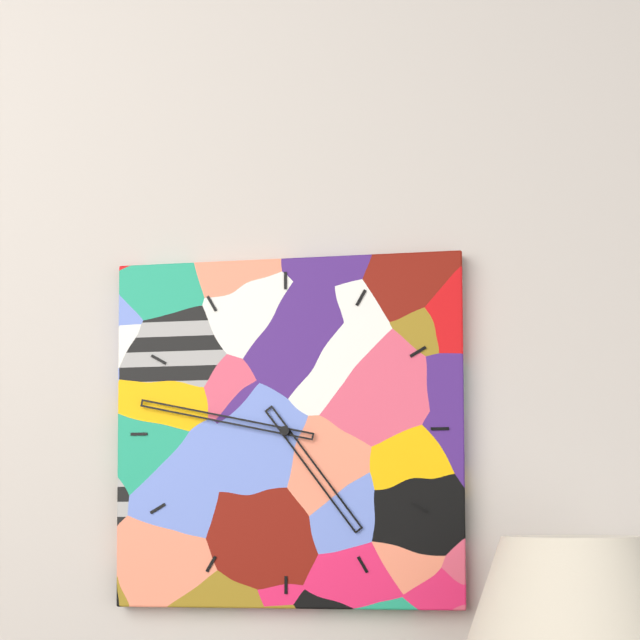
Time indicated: **4:47**
